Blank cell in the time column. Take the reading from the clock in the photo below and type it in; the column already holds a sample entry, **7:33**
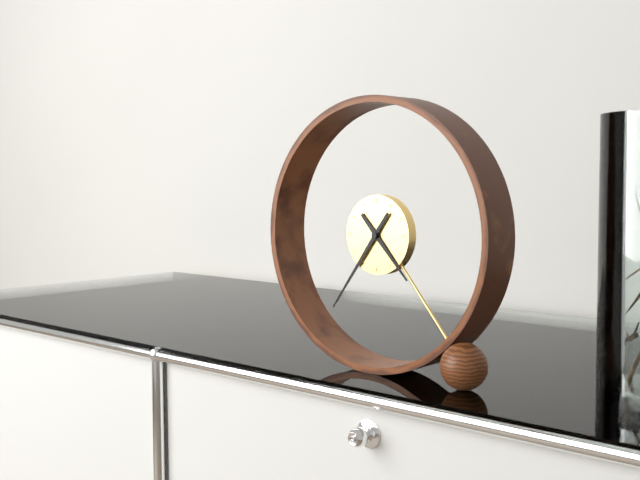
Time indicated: **4:36**
